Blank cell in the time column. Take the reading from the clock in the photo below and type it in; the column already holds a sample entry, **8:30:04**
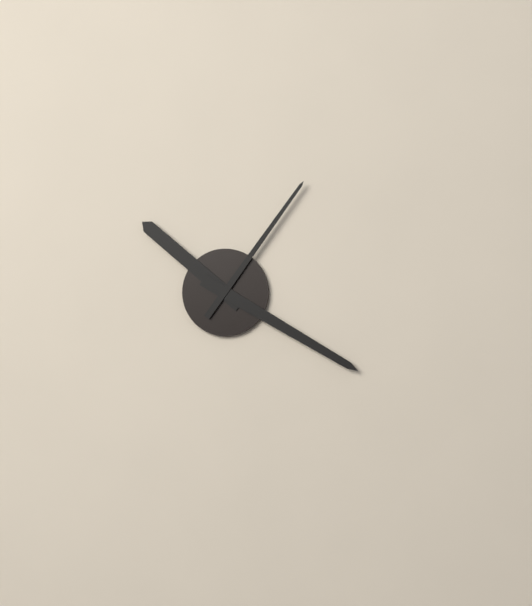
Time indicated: **10:20:06**
